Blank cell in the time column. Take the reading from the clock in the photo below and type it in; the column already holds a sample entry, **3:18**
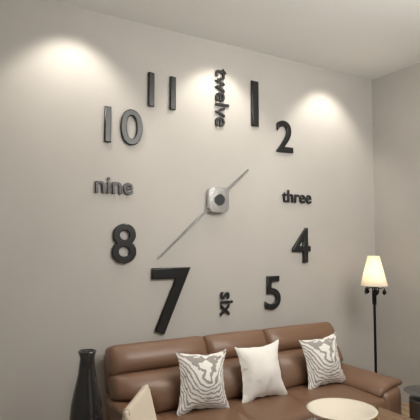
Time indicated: **1:38**
